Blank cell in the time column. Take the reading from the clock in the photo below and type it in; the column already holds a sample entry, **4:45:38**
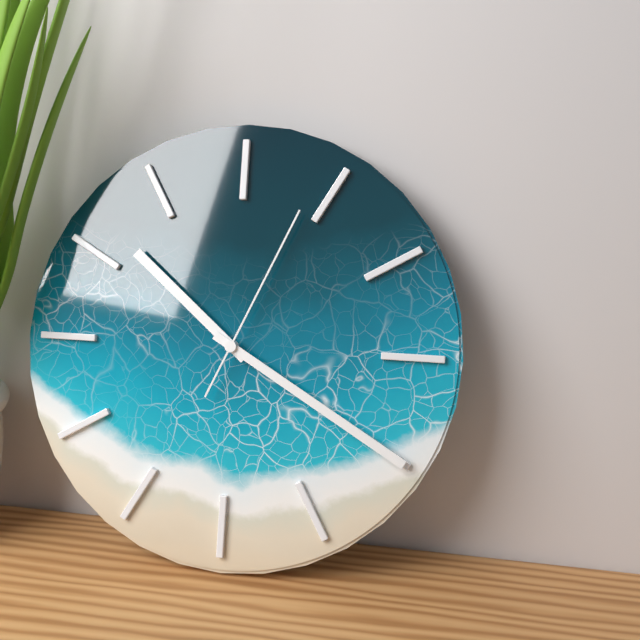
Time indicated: **10:20:04**
